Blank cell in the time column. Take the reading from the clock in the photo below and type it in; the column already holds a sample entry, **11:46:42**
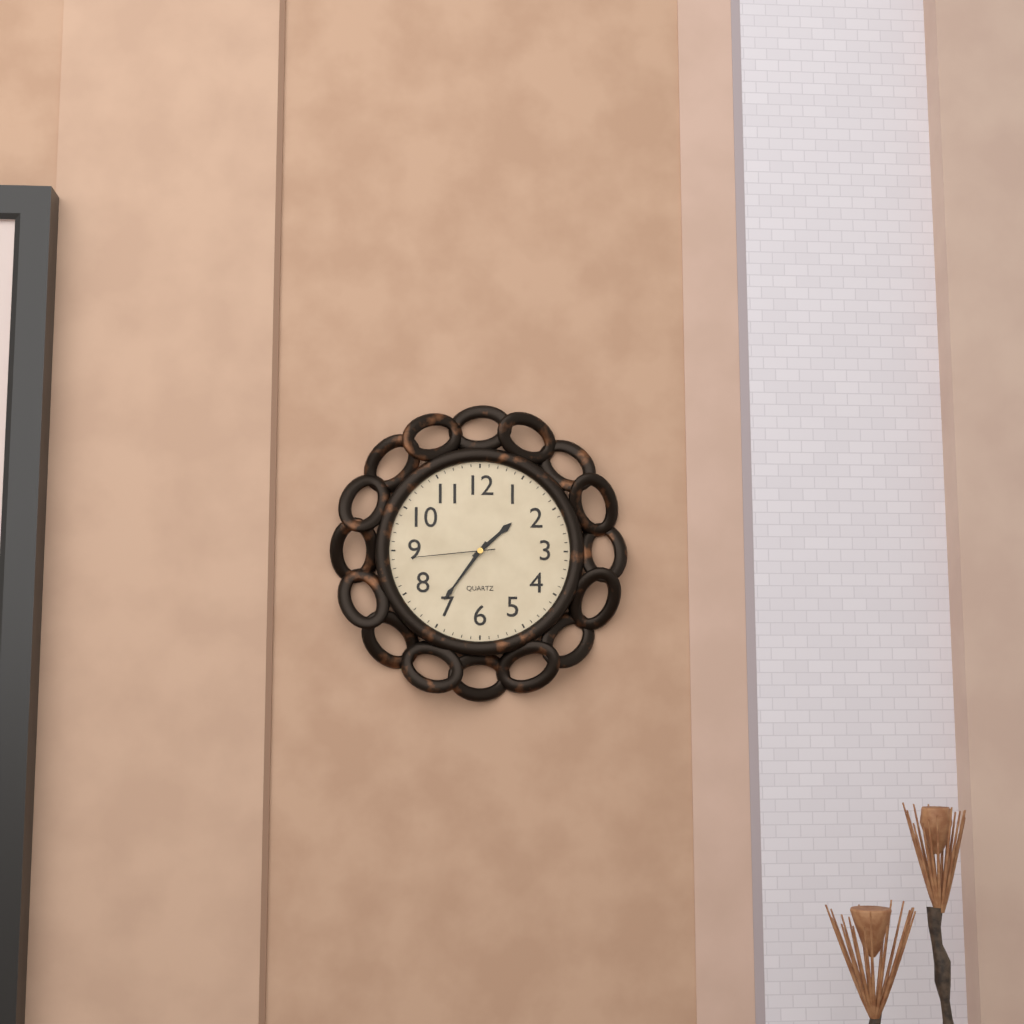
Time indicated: **1:36:44**
